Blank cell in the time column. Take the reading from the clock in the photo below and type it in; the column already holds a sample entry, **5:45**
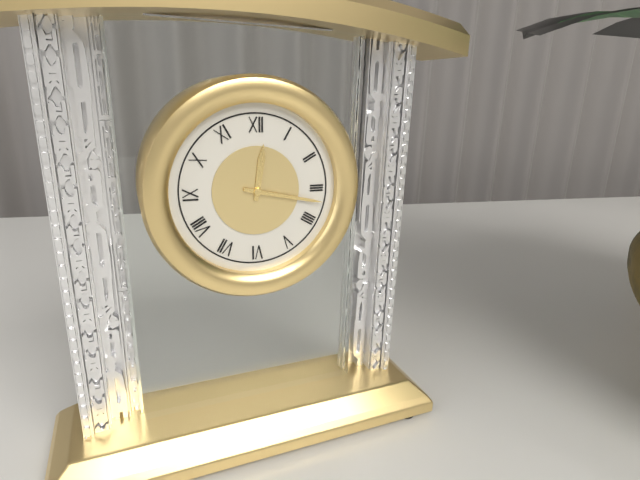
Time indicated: **12:17**
